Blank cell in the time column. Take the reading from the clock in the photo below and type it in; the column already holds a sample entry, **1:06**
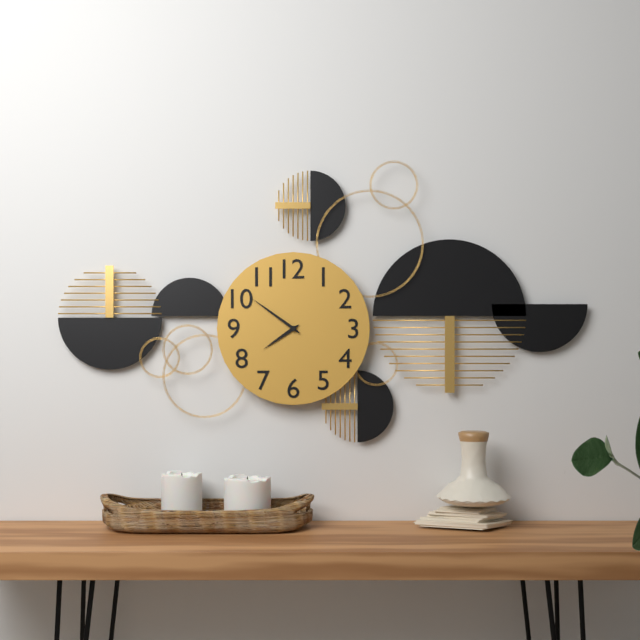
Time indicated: **7:51**
